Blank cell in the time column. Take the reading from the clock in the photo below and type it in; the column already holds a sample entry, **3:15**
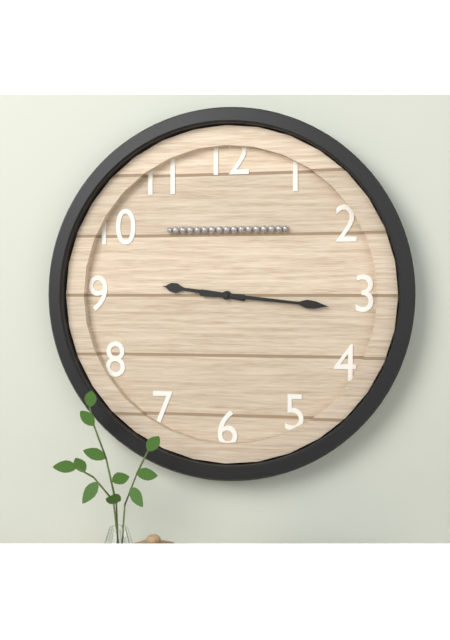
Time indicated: **9:16**
